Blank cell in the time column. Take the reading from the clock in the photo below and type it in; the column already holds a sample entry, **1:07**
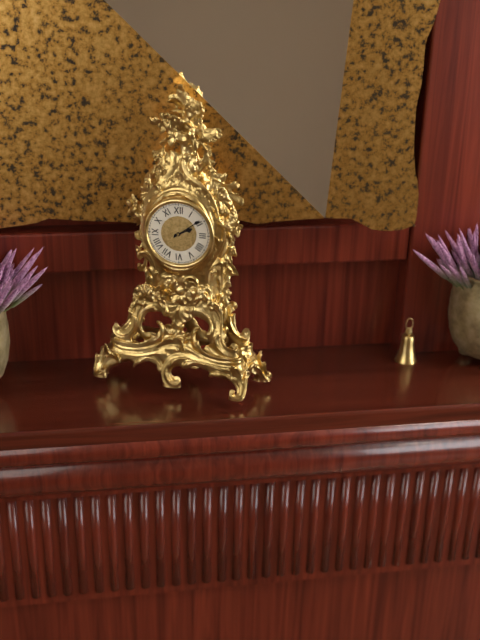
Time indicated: **2:09**
